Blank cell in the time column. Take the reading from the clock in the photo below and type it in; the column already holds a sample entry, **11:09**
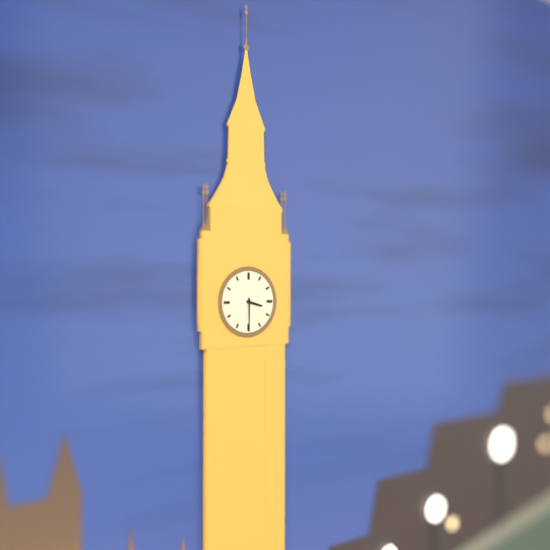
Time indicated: **3:30**
